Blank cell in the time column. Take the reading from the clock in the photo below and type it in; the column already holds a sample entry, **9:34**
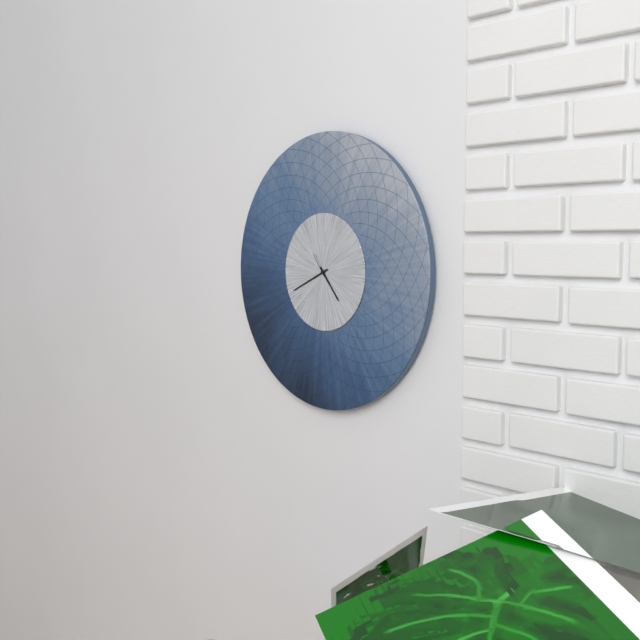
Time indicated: **4:41**
